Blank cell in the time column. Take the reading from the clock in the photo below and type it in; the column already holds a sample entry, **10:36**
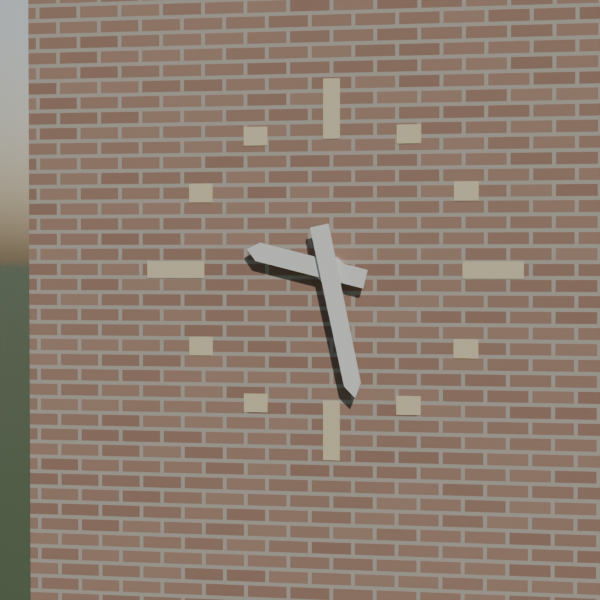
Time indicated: **9:28**
